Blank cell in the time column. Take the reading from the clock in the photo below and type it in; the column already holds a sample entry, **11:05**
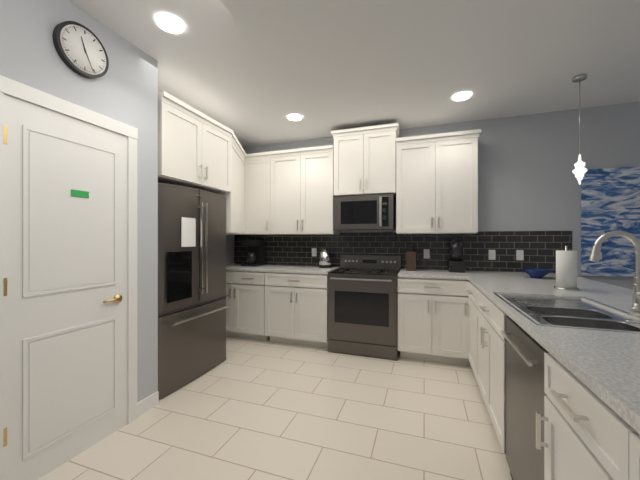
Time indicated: **11:26**
